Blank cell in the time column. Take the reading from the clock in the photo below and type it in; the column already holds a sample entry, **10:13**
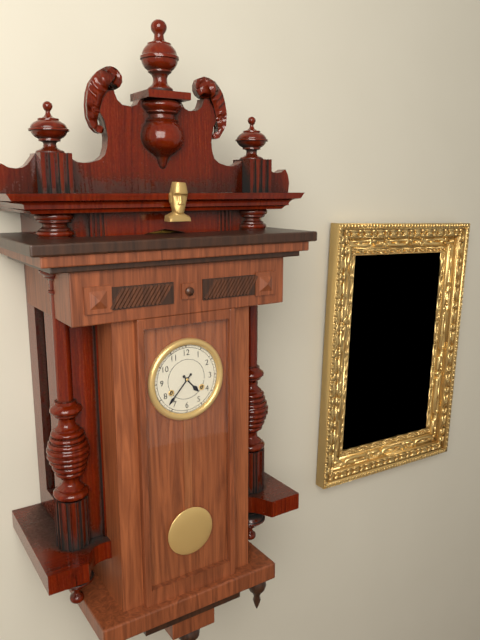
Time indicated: **4:37**
